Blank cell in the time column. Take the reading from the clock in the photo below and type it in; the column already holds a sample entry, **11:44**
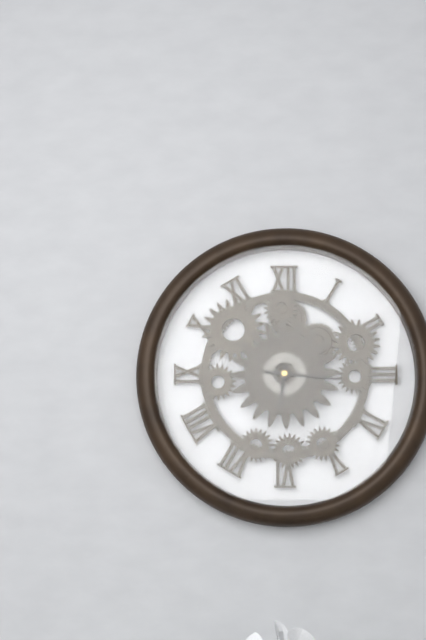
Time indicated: **6:16**
